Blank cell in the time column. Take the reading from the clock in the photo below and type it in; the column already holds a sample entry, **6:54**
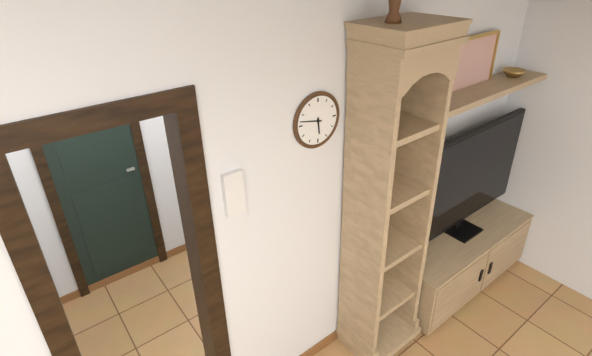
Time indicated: **5:47**
